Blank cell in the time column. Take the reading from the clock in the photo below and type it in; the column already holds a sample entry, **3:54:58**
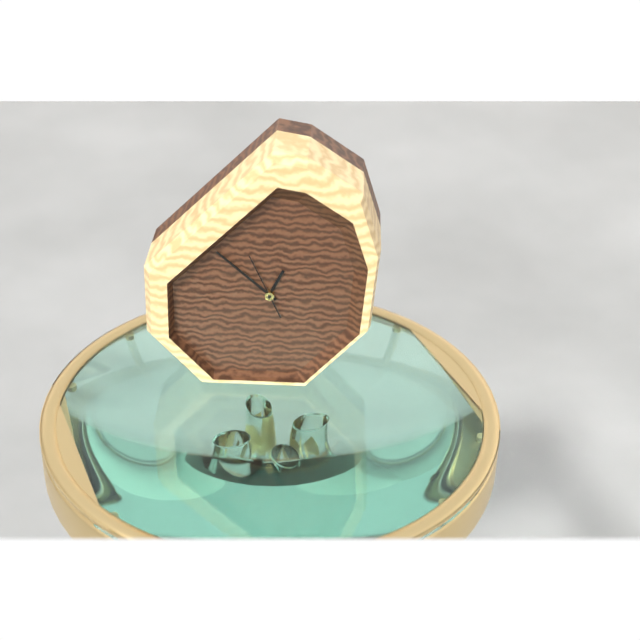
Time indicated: **12:52:56**
